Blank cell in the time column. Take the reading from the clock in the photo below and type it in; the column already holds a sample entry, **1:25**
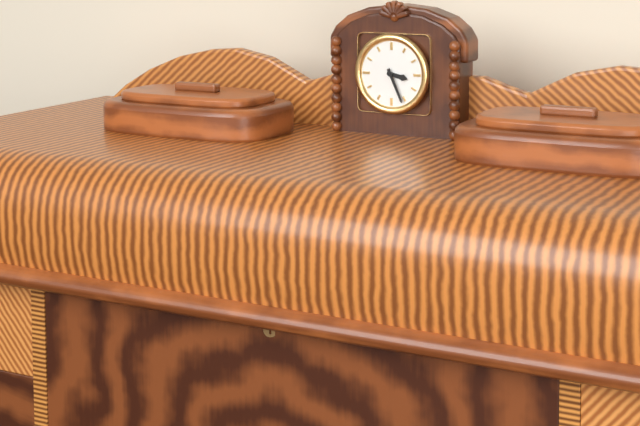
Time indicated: **3:26**
